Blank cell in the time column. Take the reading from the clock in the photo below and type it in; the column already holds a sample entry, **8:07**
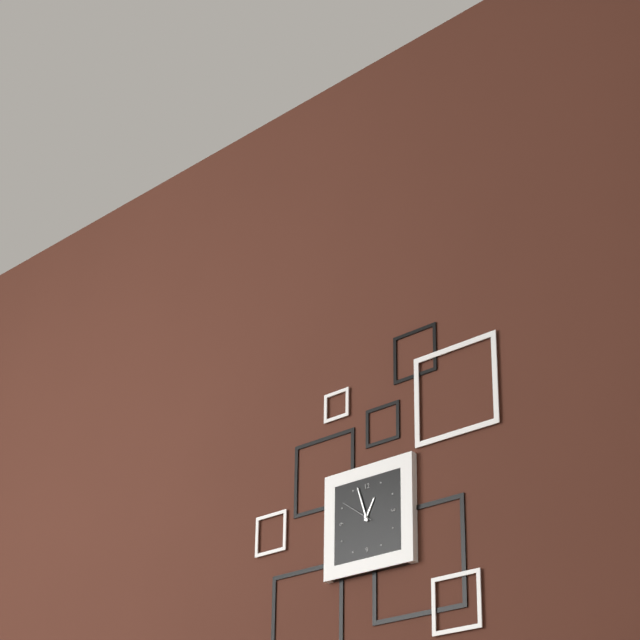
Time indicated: **12:57**
